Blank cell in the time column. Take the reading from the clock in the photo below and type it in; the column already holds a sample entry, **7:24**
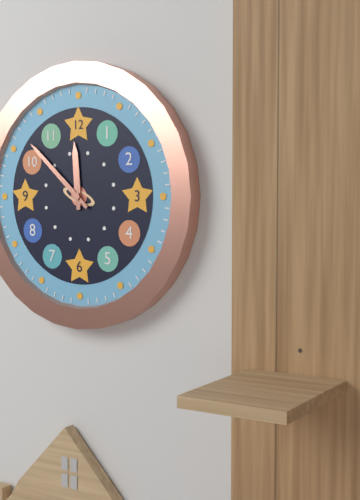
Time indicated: **11:52**
